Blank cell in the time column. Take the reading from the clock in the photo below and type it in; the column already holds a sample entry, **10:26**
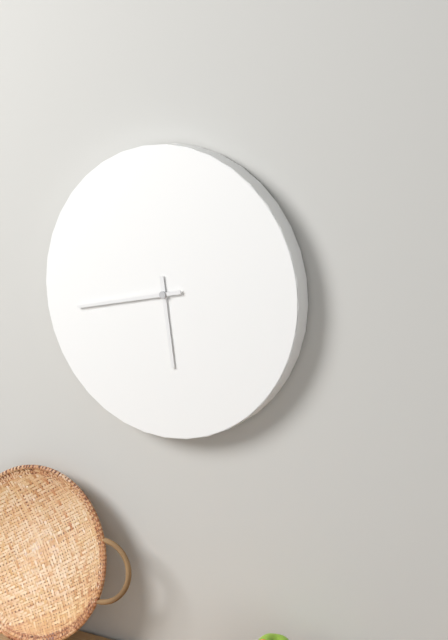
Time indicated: **5:43**
